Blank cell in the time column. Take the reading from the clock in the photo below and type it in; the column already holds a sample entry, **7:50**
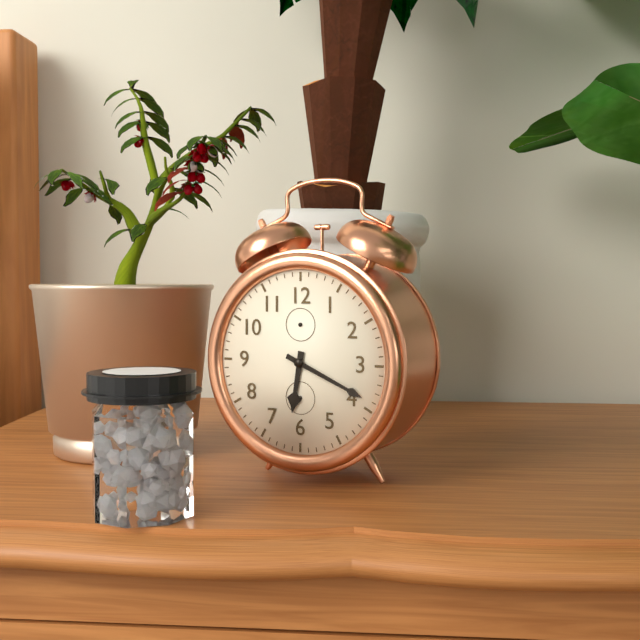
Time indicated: **6:19**
